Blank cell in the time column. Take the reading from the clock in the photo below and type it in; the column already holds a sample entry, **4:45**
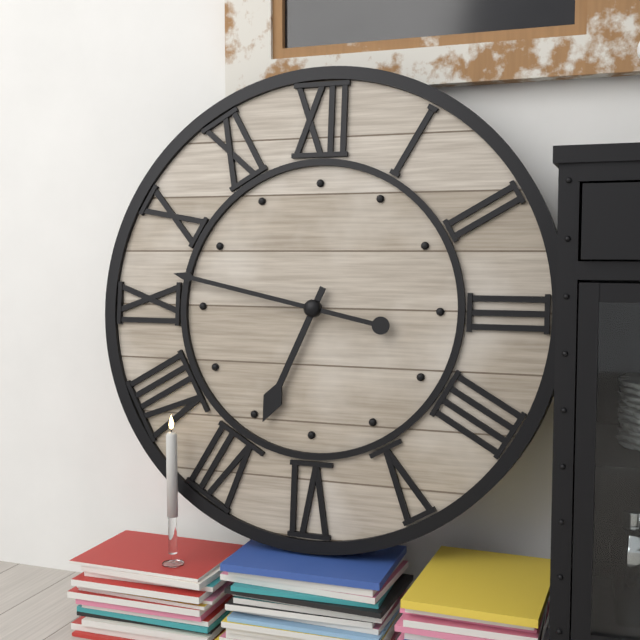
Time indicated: **6:47**
